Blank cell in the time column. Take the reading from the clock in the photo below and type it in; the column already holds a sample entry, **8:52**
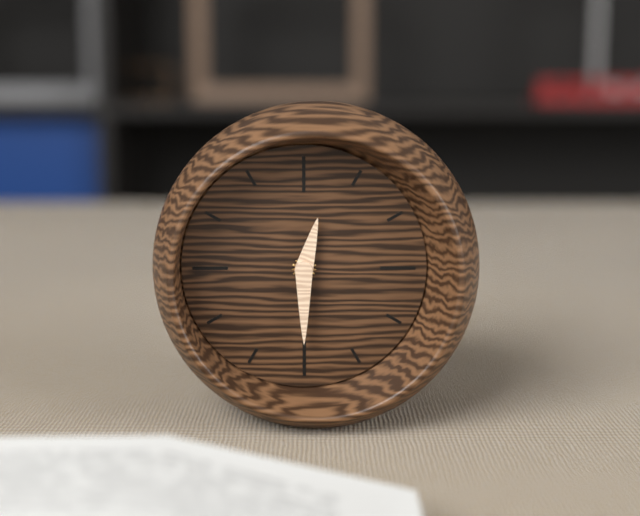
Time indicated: **12:30**
